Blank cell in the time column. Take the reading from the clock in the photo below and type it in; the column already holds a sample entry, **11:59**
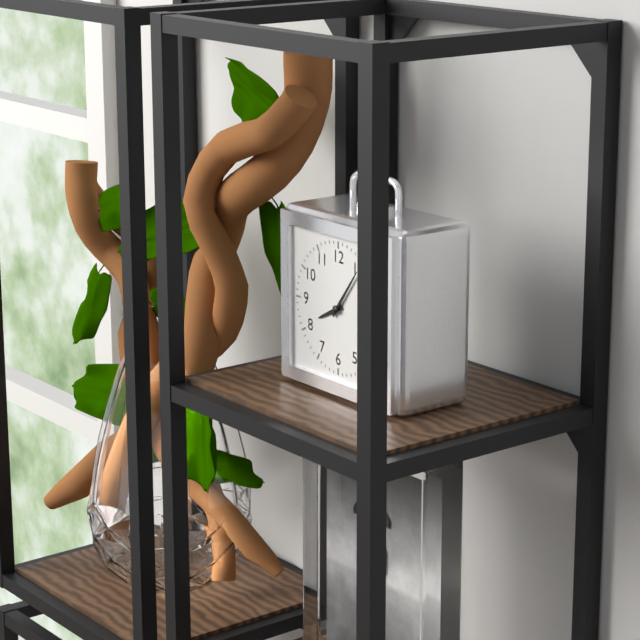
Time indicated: **8:06**
